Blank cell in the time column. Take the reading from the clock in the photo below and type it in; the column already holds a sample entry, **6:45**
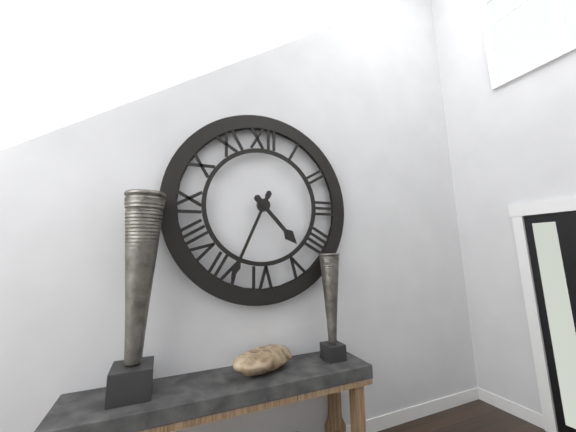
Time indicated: **4:34**
